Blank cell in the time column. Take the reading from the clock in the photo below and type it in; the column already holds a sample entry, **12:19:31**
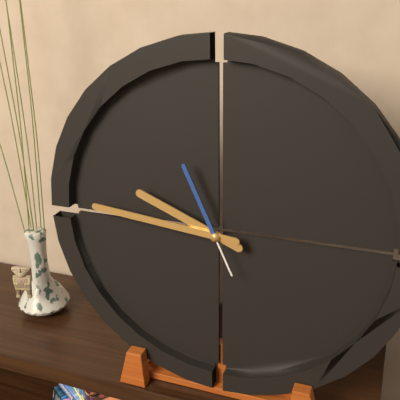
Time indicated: **9:46:56**
